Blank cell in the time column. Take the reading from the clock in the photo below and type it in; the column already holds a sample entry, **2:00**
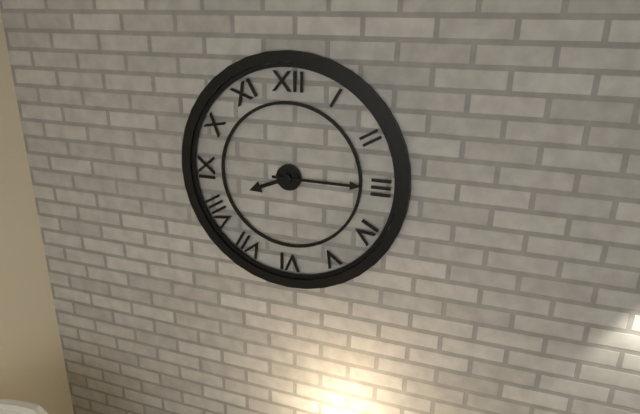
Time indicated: **8:15**
